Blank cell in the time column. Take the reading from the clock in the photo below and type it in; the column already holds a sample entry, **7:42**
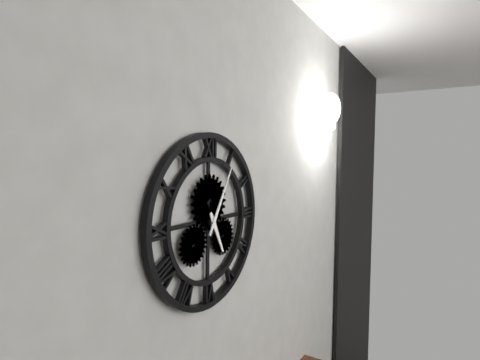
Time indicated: **5:05**
